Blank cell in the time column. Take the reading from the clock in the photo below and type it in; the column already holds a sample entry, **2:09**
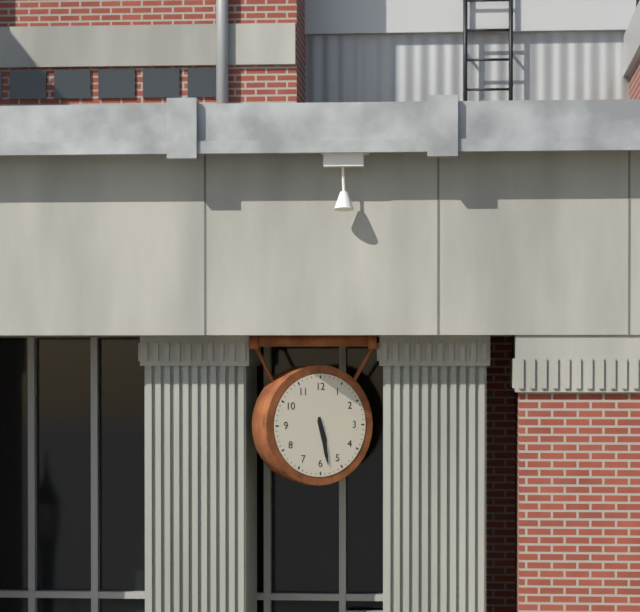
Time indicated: **5:28**
